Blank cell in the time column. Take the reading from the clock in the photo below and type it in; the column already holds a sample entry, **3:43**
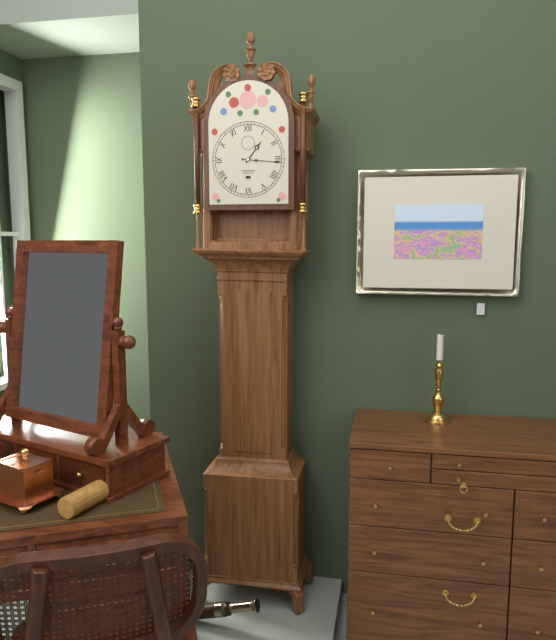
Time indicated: **1:16**
